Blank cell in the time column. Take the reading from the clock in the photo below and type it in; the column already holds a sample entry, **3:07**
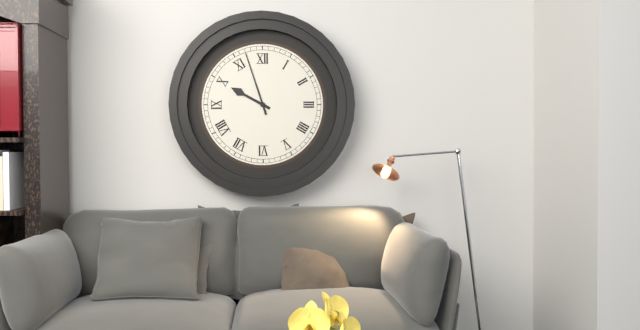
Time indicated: **9:57**
